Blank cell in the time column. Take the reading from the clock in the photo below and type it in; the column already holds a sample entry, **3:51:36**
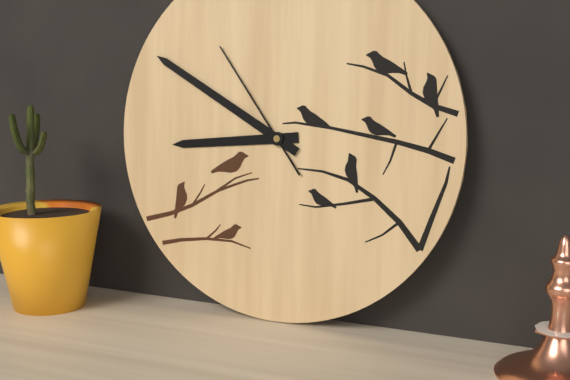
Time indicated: **8:50:54**
